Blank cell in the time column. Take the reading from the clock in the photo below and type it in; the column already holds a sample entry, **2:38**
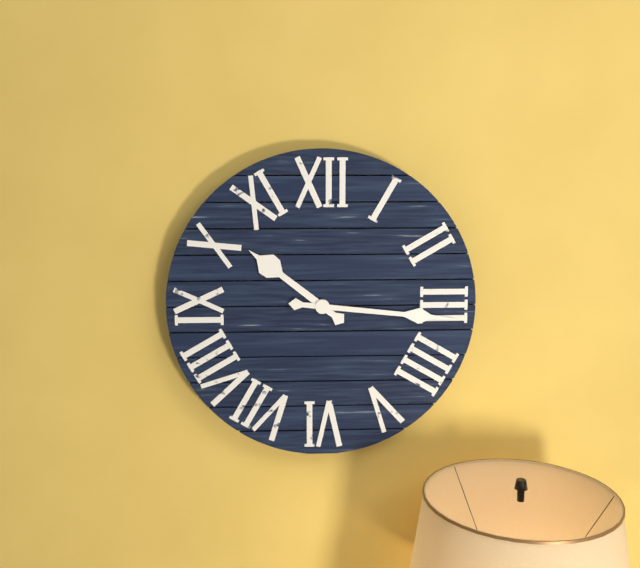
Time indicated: **10:16**
